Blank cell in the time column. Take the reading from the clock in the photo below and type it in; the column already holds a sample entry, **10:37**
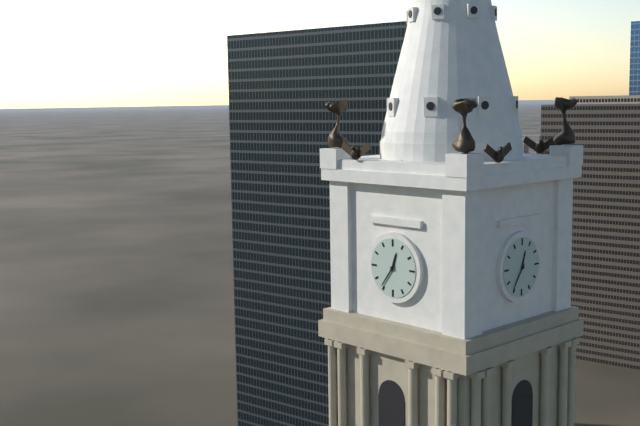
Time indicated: **12:36**
